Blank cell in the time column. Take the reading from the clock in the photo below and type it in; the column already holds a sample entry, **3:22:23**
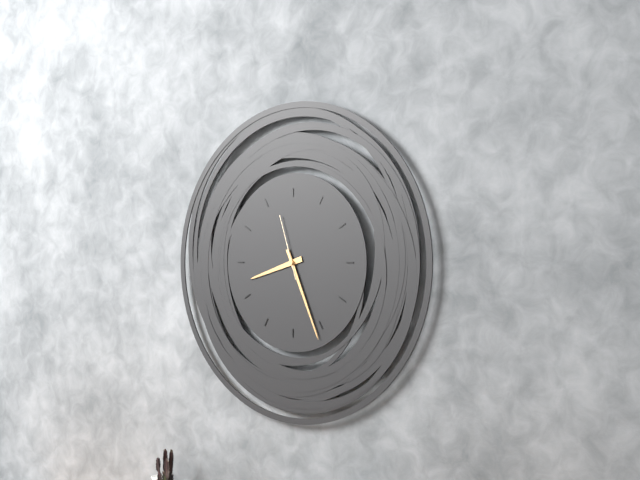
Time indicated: **8:26:57**
